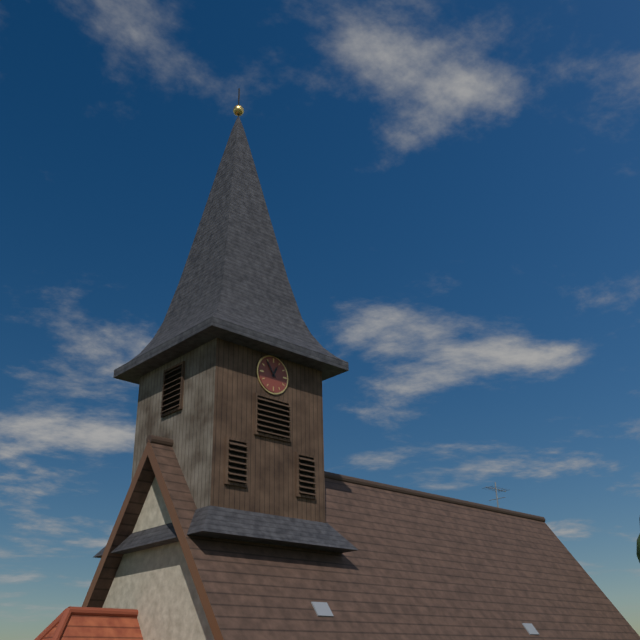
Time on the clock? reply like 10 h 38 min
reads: 12 h 54 min
